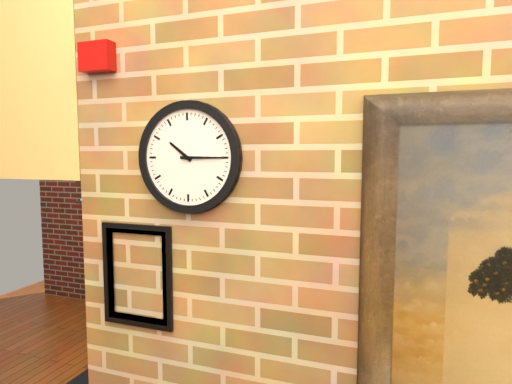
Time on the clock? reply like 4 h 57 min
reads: 10 h 15 min
